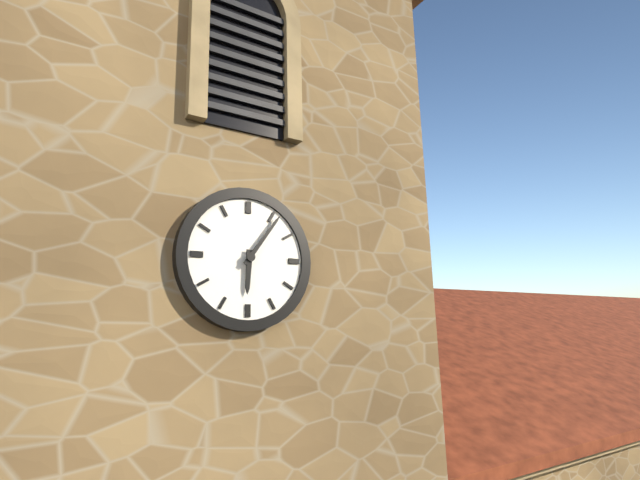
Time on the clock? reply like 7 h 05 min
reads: 6 h 06 min
